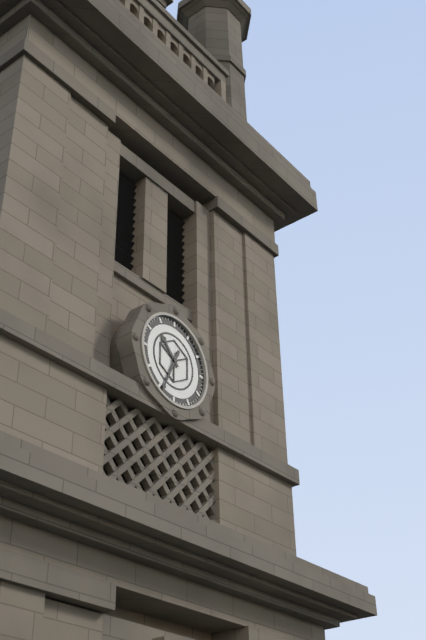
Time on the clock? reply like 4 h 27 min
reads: 10 h 34 min
